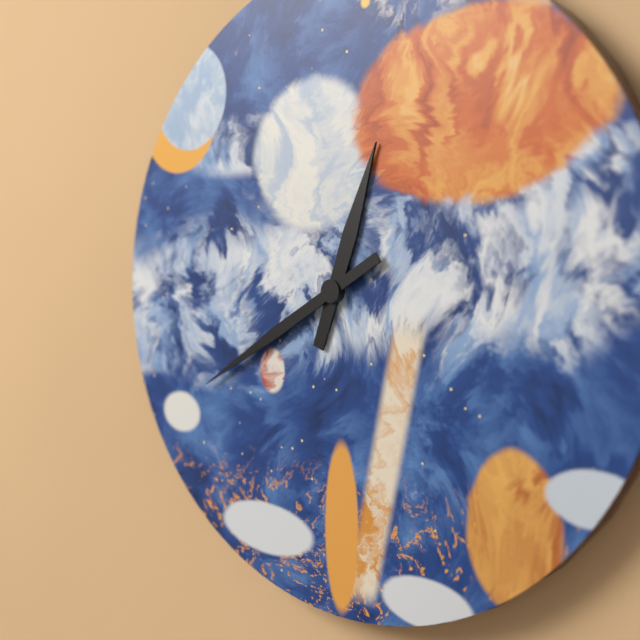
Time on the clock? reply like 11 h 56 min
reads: 12 h 40 min
